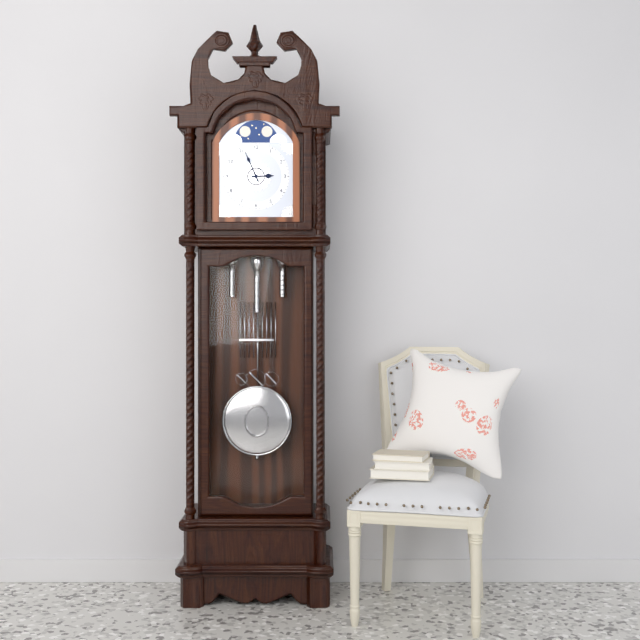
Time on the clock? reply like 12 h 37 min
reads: 2 h 56 min
